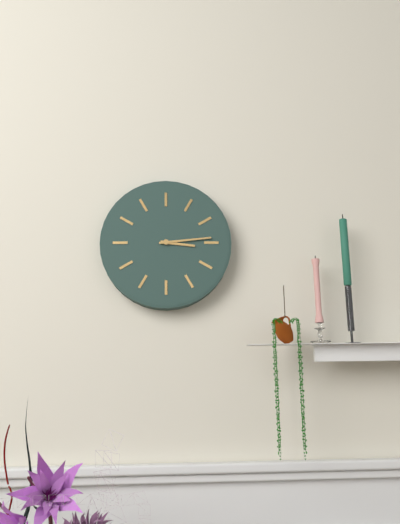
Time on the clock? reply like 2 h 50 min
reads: 3 h 14 min
